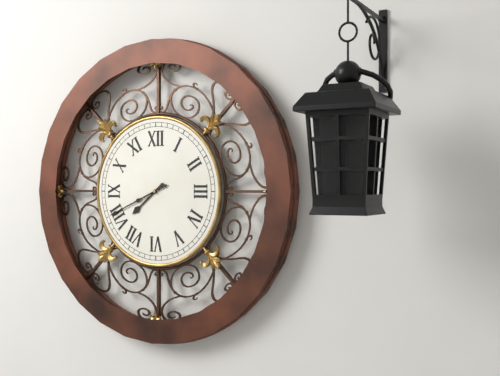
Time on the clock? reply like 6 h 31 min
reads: 7 h 41 min
